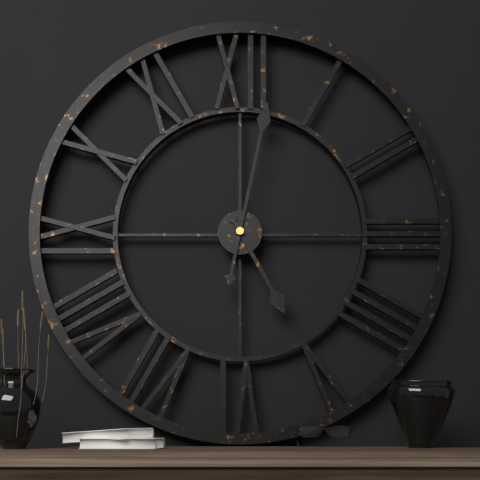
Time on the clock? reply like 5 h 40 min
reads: 5 h 02 min
